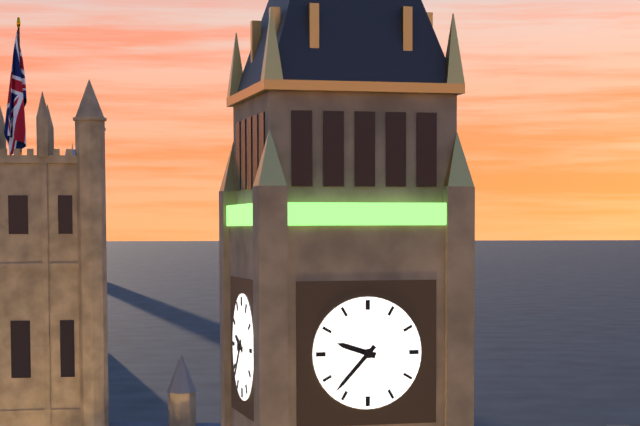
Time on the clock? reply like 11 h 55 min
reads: 9 h 37 min
